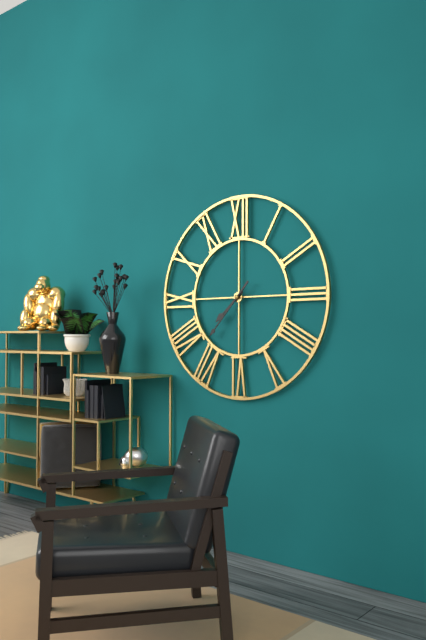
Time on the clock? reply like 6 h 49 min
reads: 7 h 37 min
